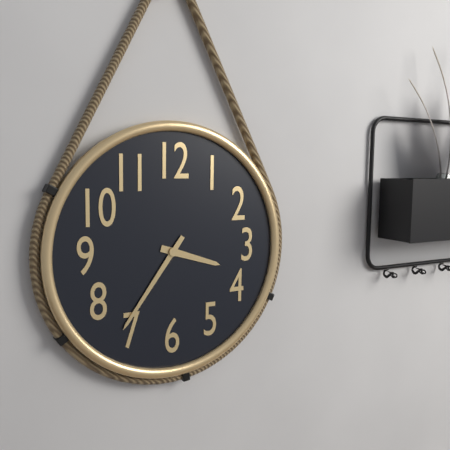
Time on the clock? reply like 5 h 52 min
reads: 3 h 36 min
